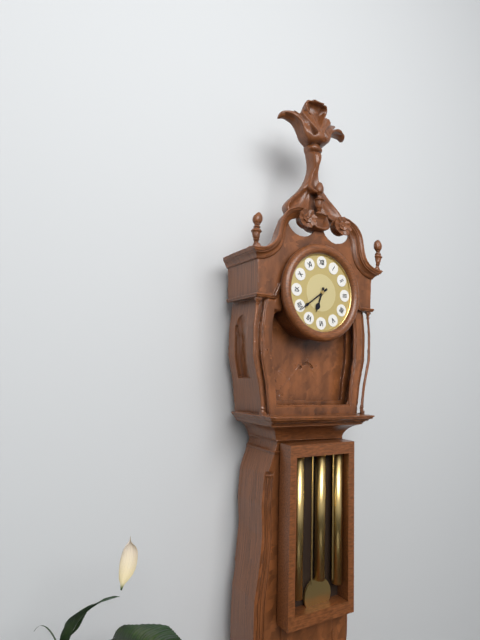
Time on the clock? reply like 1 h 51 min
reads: 6 h 39 min
